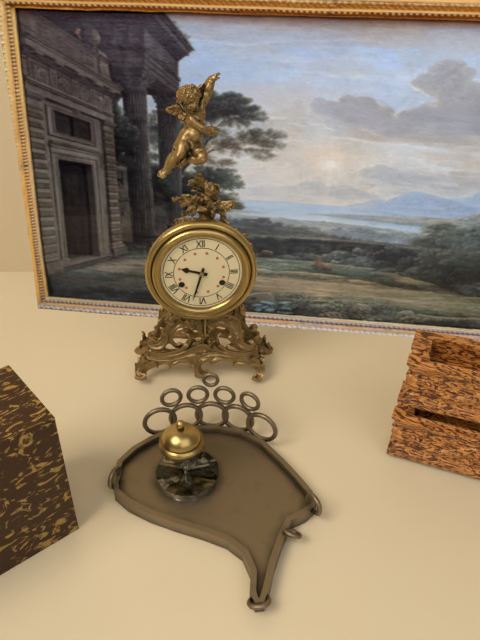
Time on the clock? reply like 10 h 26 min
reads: 9 h 33 min
